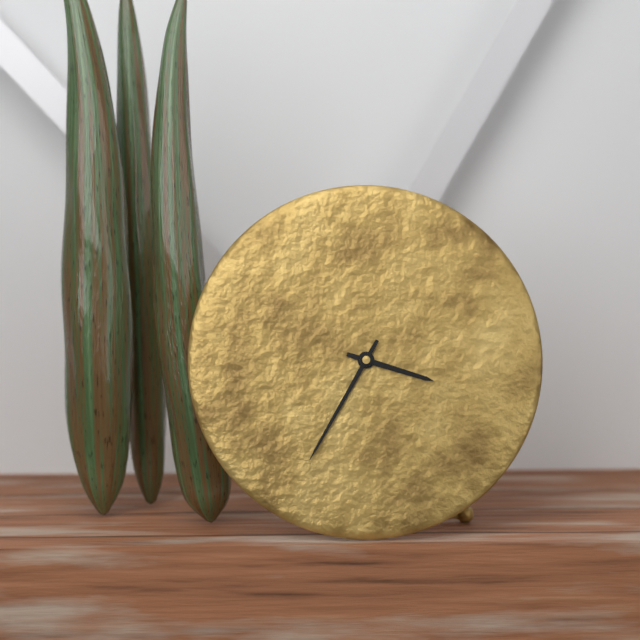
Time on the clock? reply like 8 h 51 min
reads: 3 h 35 min
